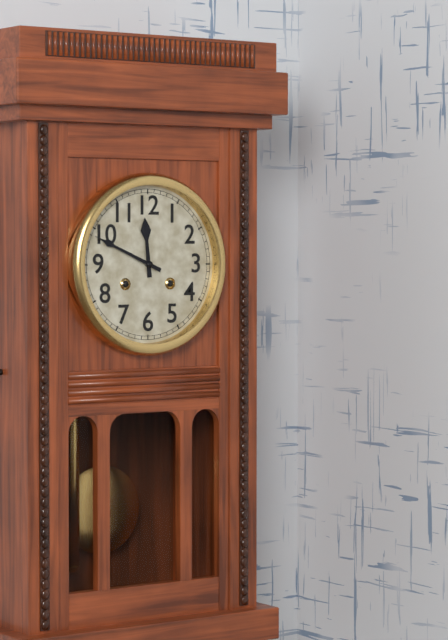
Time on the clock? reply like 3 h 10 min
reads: 11 h 49 min
